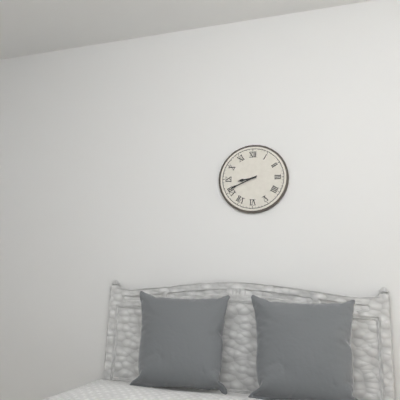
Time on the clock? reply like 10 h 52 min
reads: 8 h 41 min
